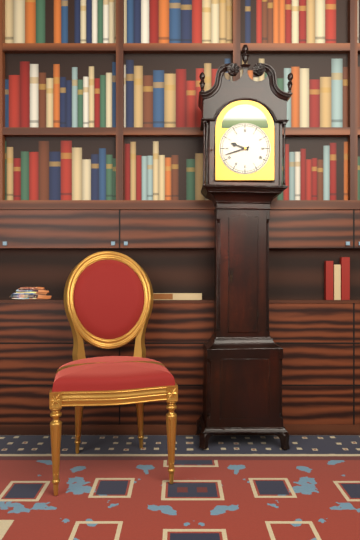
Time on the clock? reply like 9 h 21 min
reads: 9 h 42 min
